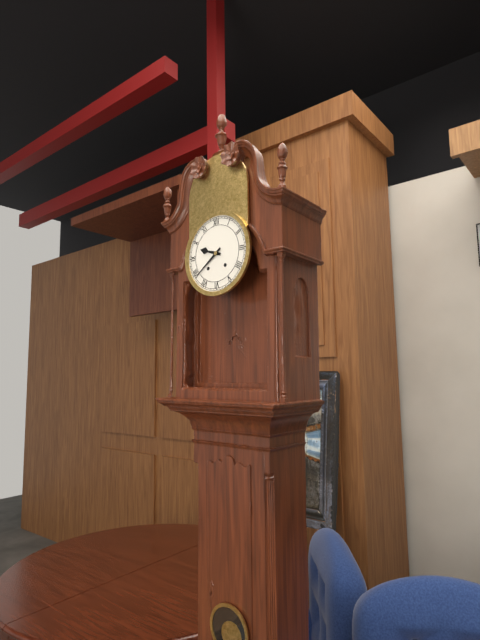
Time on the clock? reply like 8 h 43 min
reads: 9 h 39 min
